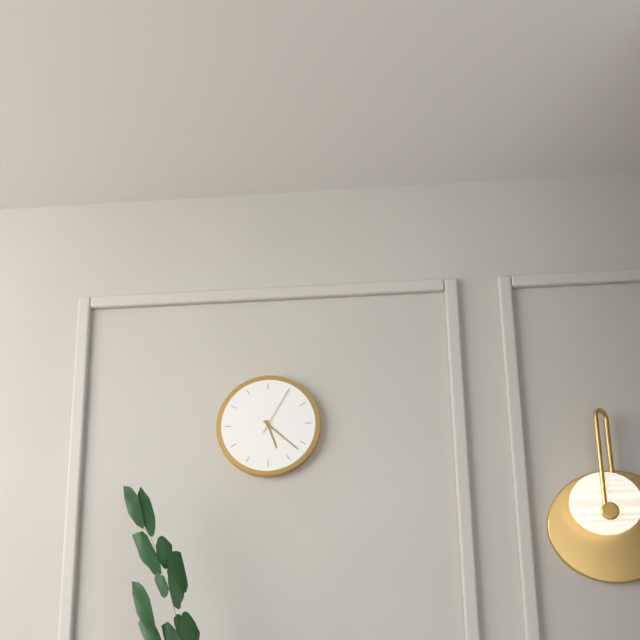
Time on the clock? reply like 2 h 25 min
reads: 5 h 22 min
